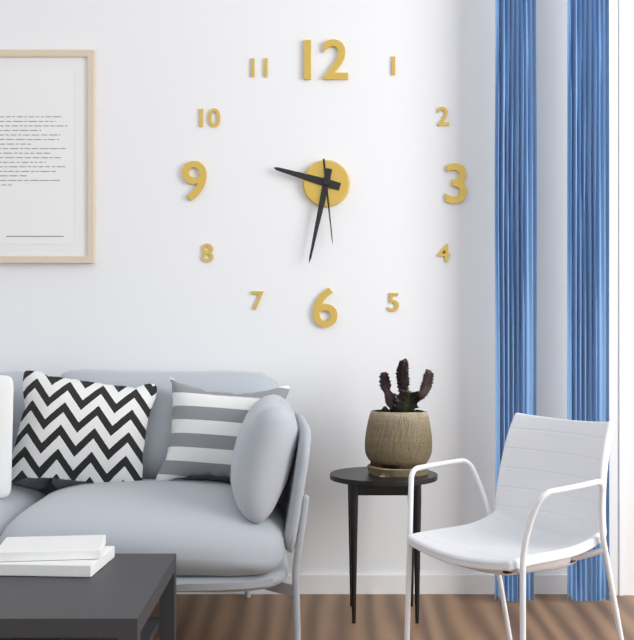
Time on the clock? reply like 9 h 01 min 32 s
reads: 9 h 32 min 29 s
